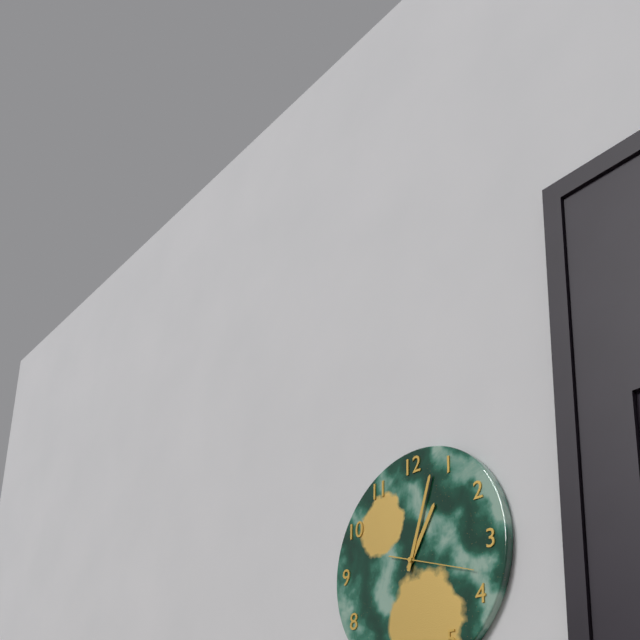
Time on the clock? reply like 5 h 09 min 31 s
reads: 1 h 03 min 18 s
